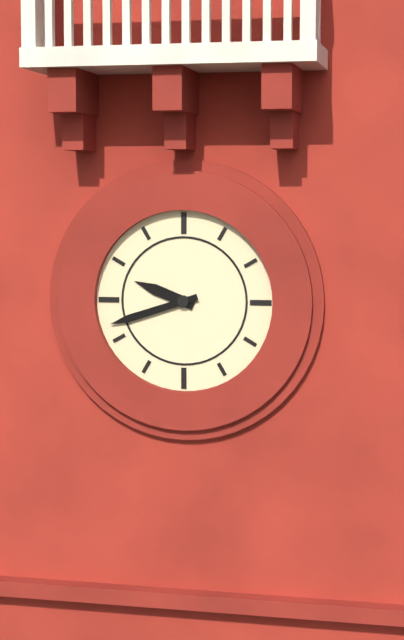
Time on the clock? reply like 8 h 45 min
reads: 9 h 42 min
